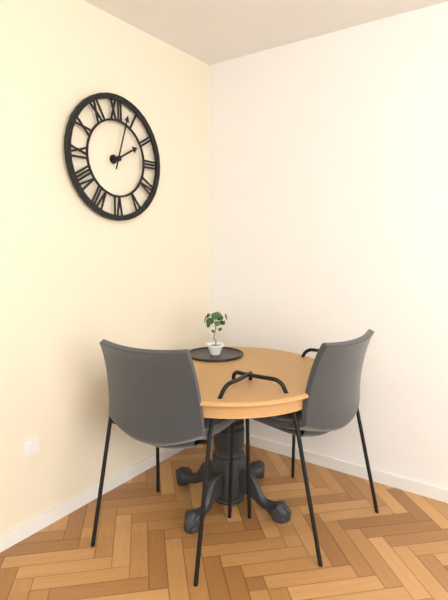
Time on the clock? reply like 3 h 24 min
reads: 2 h 03 min
